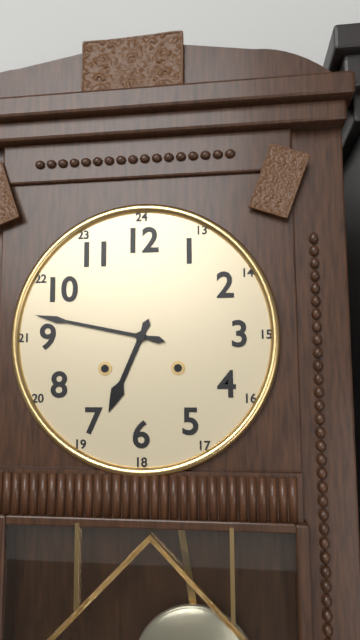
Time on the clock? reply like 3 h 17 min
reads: 6 h 47 min
